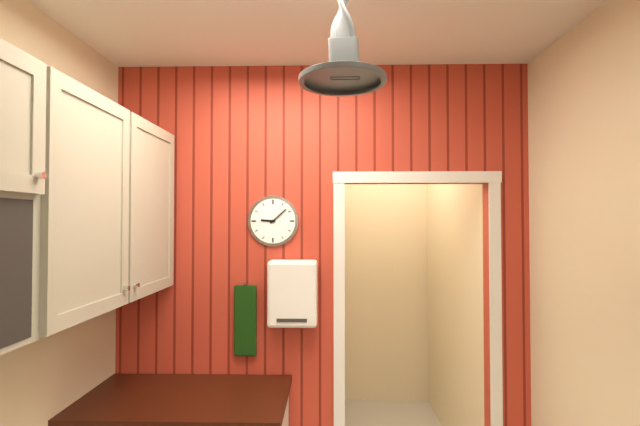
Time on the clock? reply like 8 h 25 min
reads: 9 h 08 min
